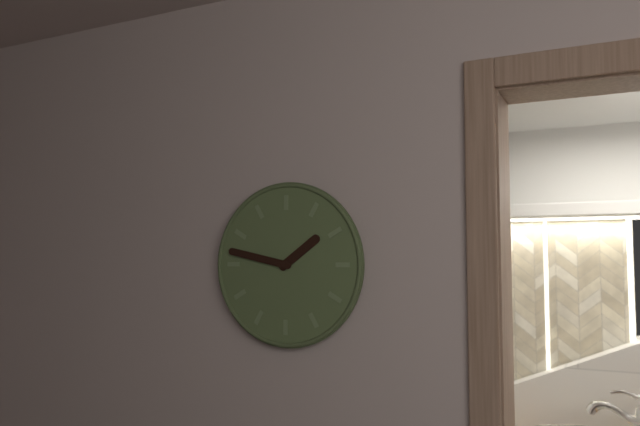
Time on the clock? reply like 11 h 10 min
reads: 1 h 47 min
